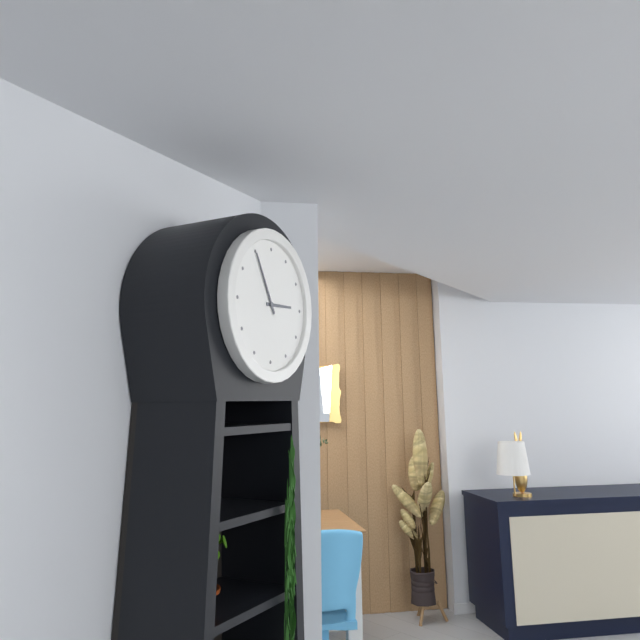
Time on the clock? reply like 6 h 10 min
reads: 2 h 55 min
